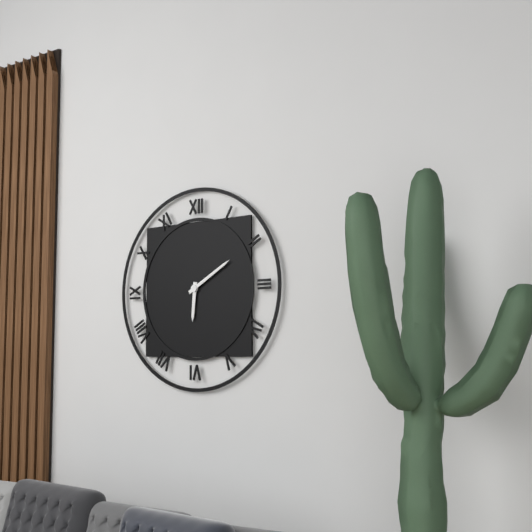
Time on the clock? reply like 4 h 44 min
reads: 6 h 10 min
